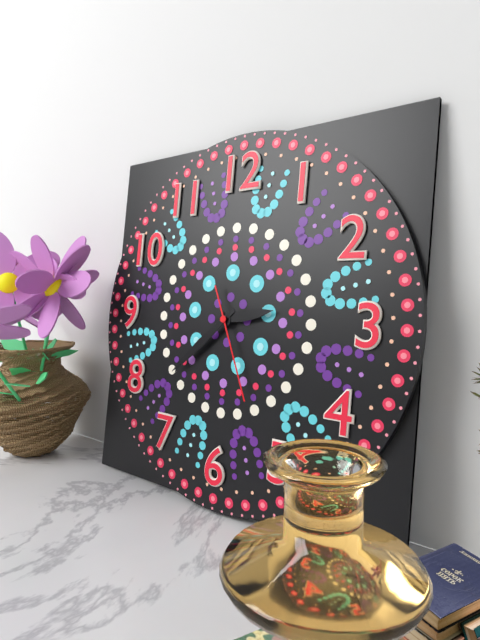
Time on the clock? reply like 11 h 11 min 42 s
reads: 2 h 38 min 26 s
